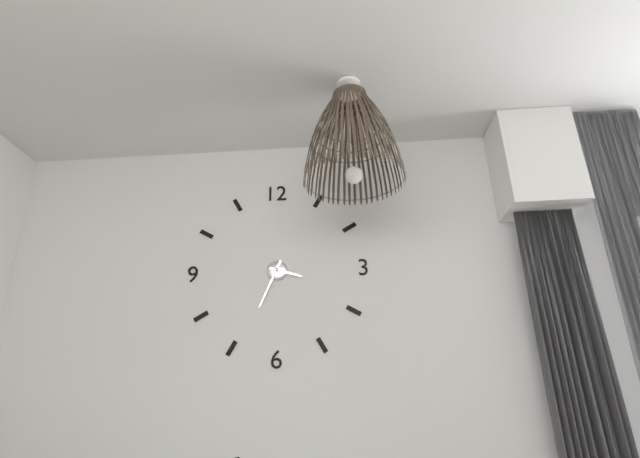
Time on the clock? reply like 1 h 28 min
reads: 3 h 34 min
